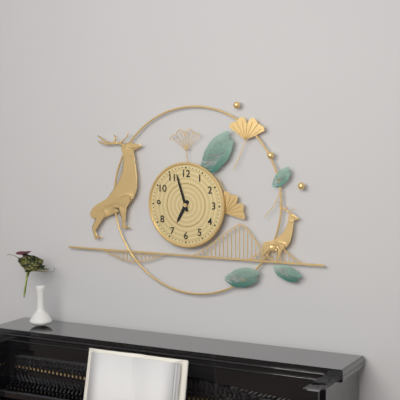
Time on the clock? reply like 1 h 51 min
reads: 6 h 57 min
